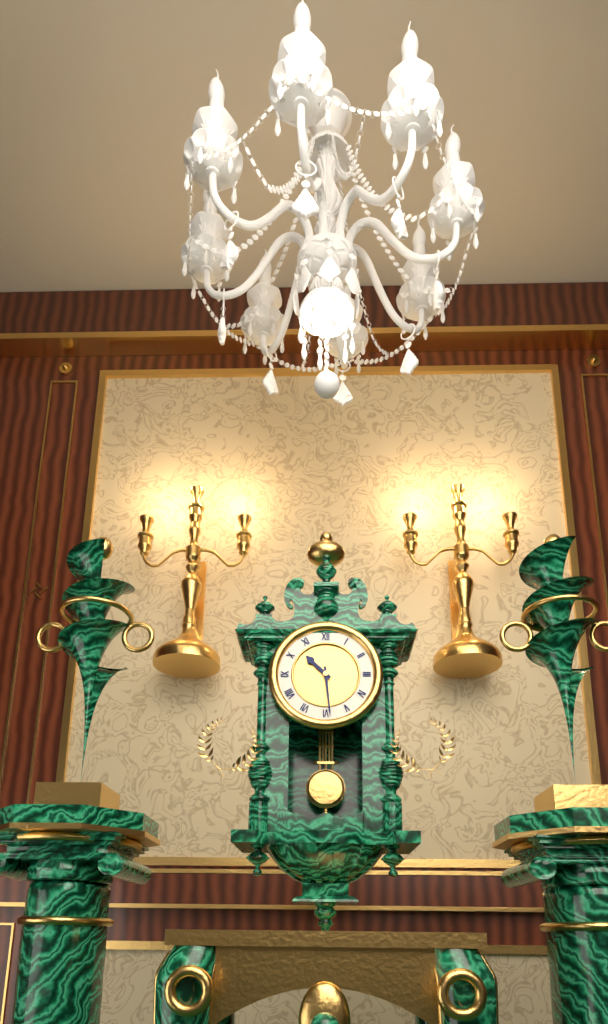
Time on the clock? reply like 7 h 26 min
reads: 10 h 29 min
